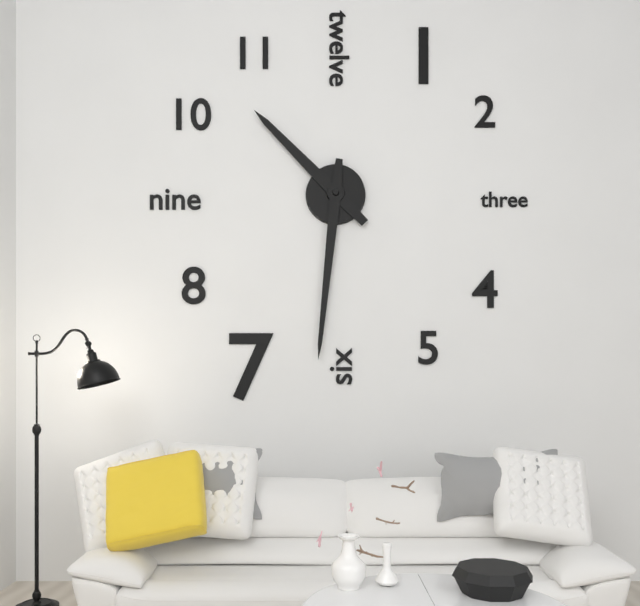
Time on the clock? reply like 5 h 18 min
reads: 10 h 31 min
